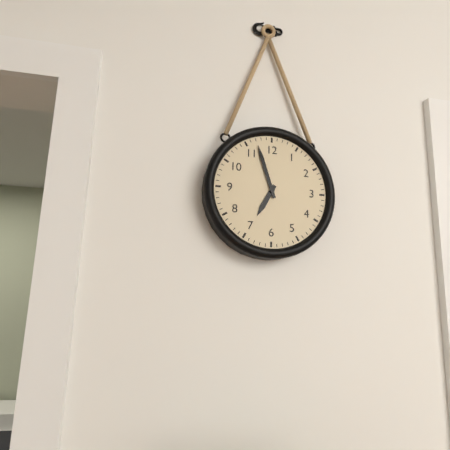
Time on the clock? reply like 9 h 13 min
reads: 6 h 57 min
